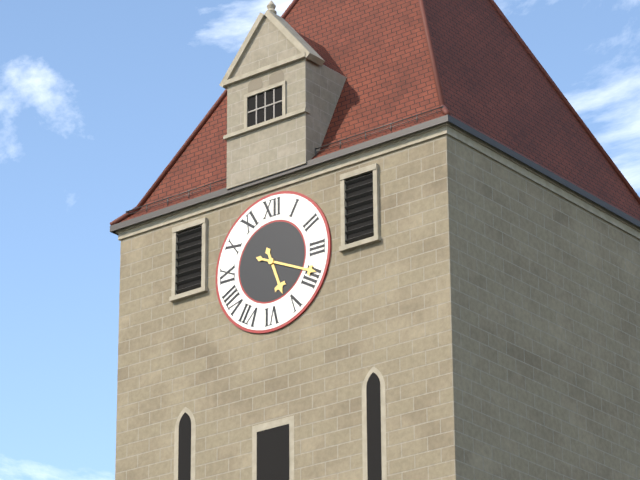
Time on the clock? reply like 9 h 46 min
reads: 5 h 19 min
